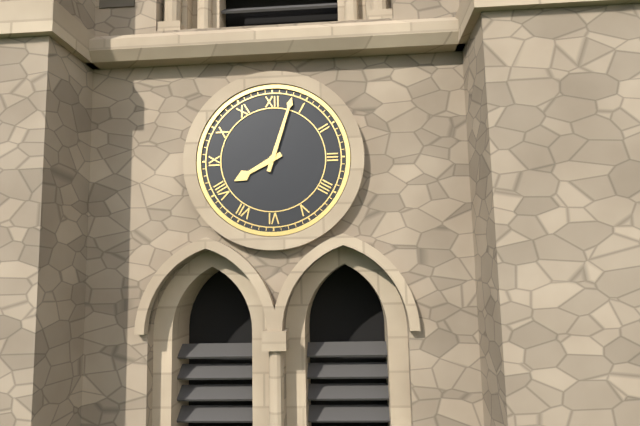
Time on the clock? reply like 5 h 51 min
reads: 8 h 03 min
